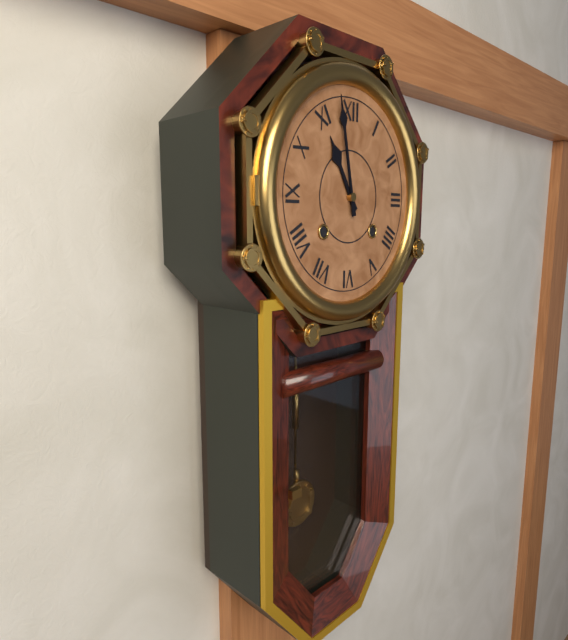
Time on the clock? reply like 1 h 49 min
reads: 10 h 58 min
